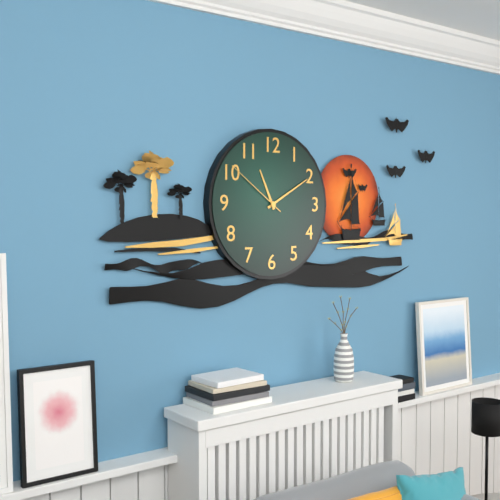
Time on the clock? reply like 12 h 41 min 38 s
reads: 11 h 10 min 51 s
